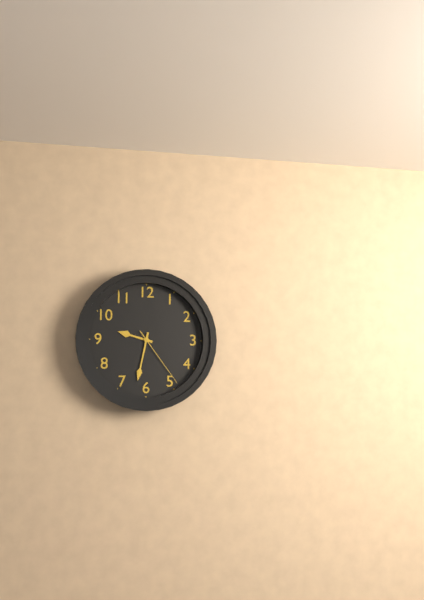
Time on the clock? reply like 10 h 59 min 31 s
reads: 9 h 32 min 24 s
